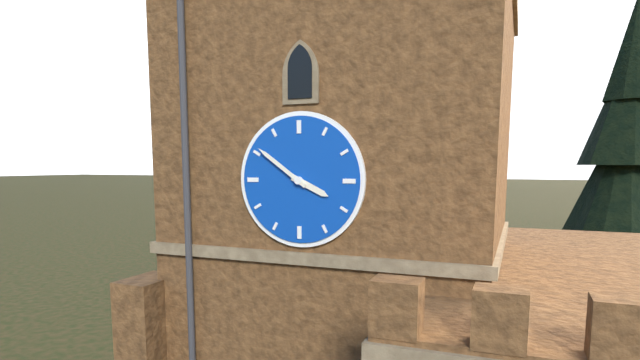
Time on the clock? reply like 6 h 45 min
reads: 3 h 51 min
